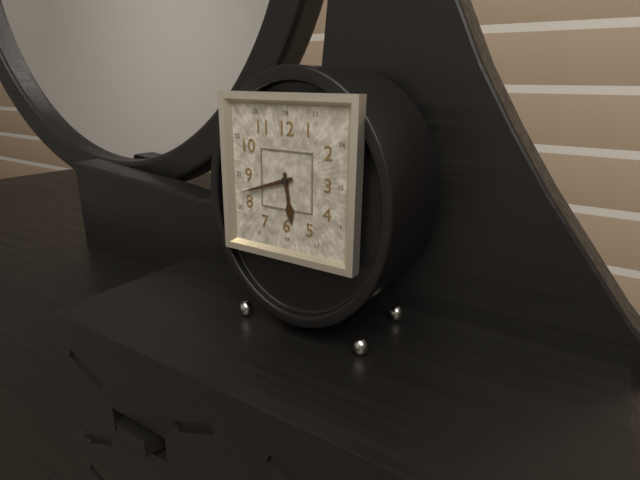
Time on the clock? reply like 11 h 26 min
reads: 5 h 42 min
